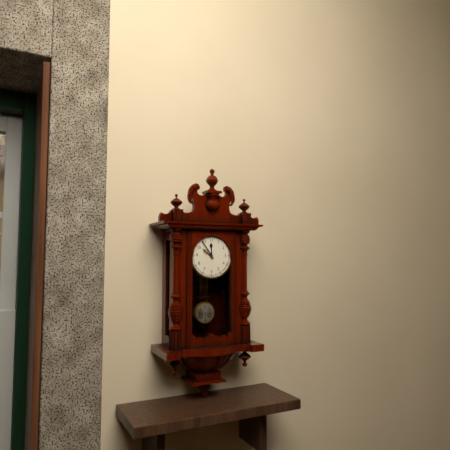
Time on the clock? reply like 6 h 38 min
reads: 11 h 54 min
